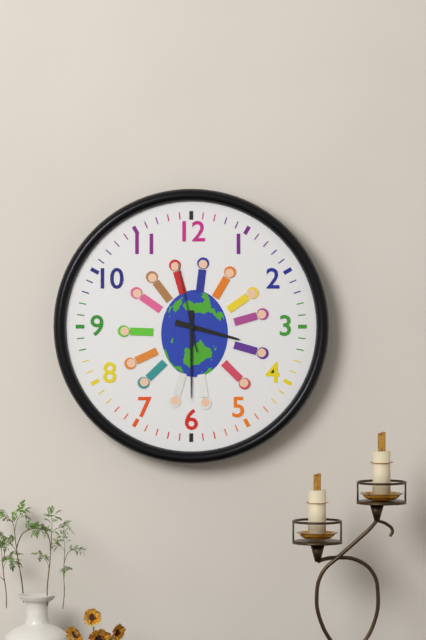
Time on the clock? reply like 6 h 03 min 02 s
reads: 3 h 30 min 58 s
